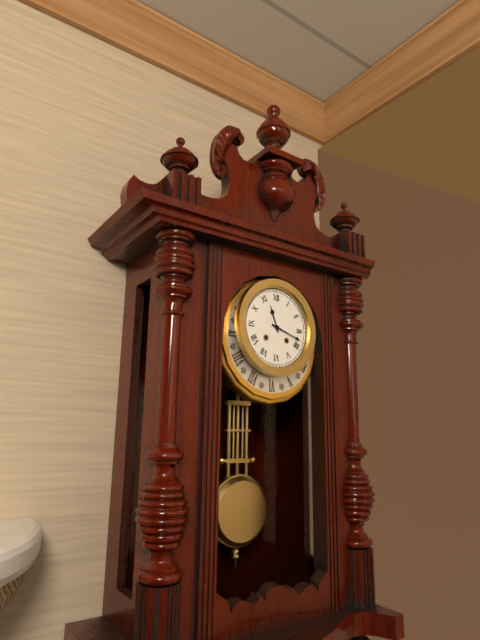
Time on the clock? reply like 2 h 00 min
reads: 11 h 18 min
